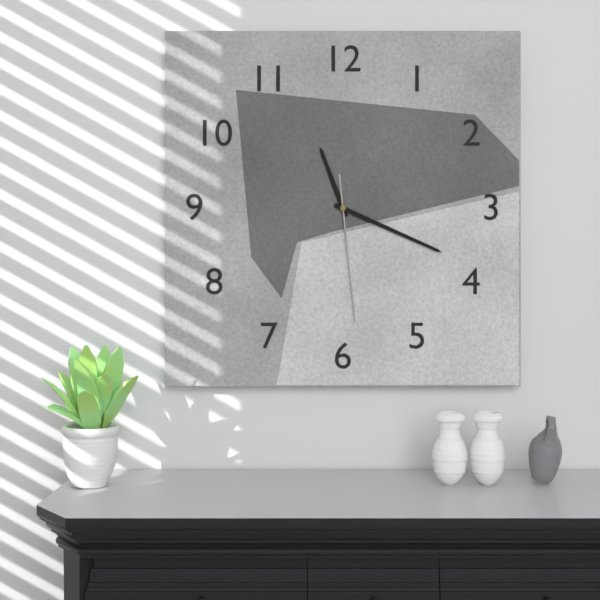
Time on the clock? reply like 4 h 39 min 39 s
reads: 11 h 19 min 29 s
